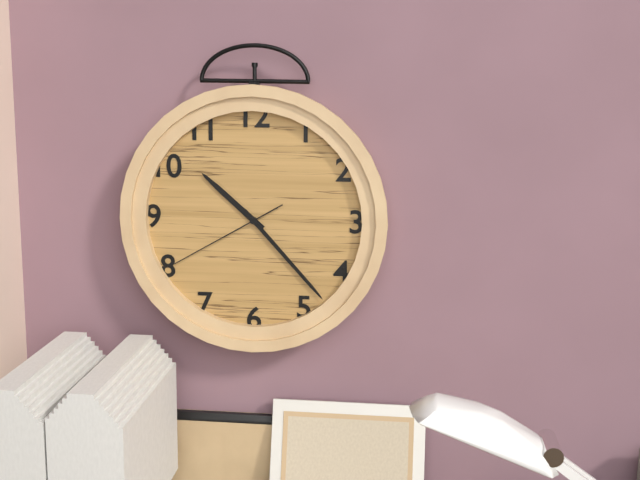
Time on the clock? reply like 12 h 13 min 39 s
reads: 10 h 23 min 40 s
